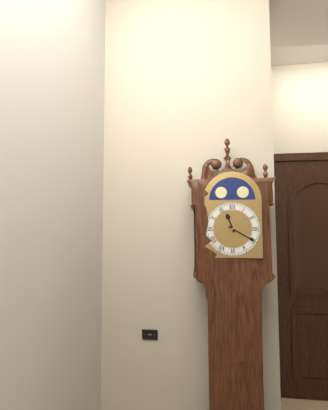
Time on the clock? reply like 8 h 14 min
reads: 11 h 20 min
